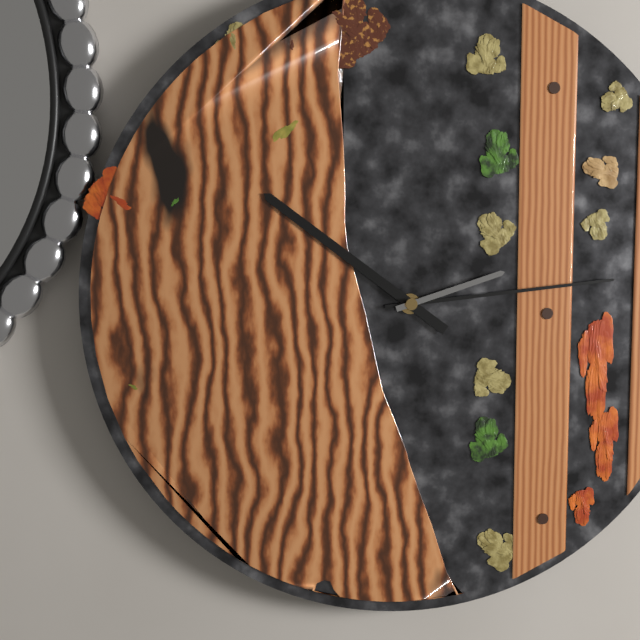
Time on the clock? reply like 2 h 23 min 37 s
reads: 10 h 14 min 12 s
